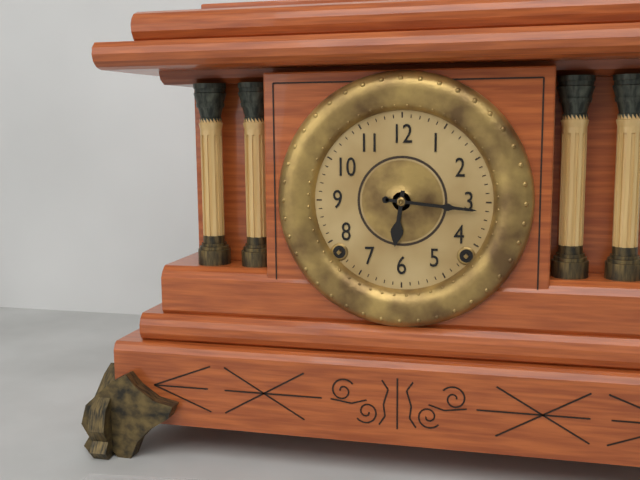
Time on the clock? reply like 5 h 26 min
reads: 6 h 16 min
